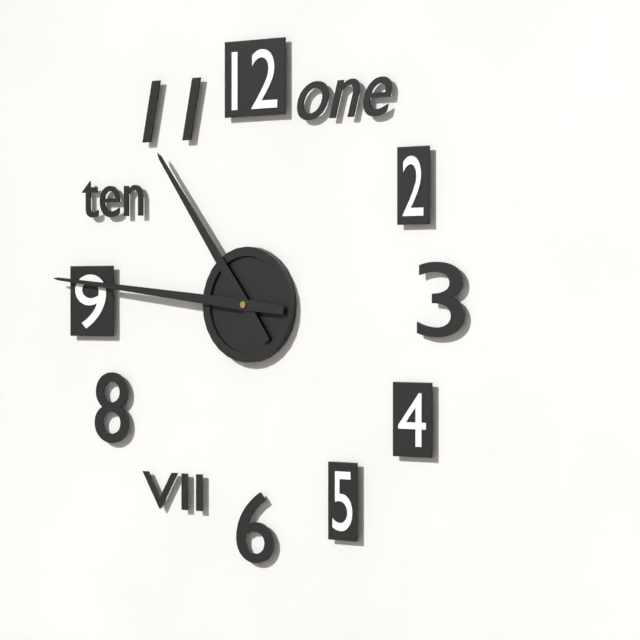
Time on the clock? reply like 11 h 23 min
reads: 10 h 46 min
